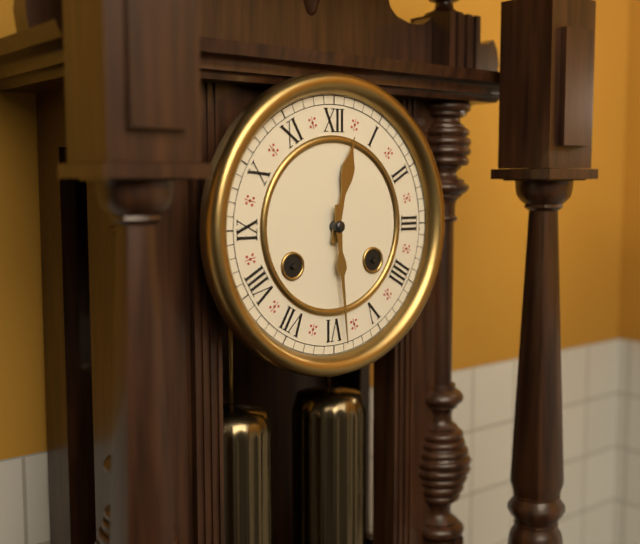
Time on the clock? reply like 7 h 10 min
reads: 12 h 29 min
